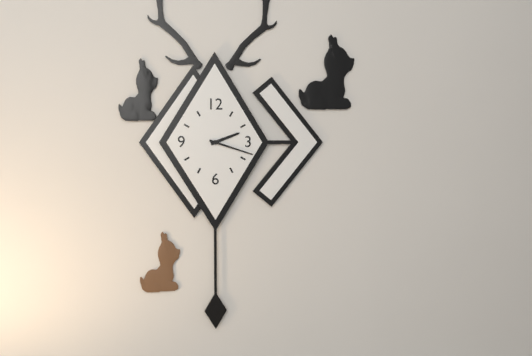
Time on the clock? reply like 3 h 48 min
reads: 2 h 18 min
